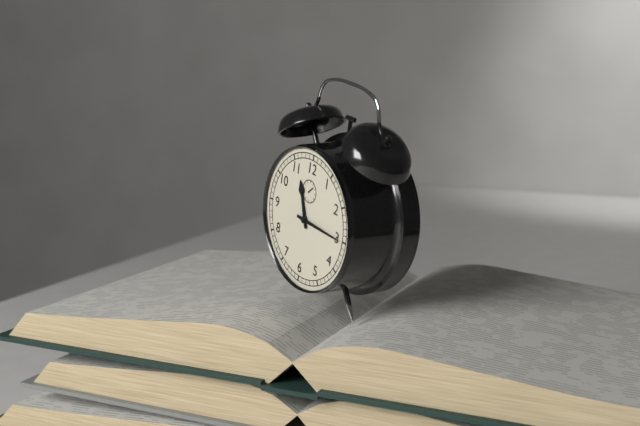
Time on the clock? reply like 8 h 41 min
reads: 11 h 15 min
